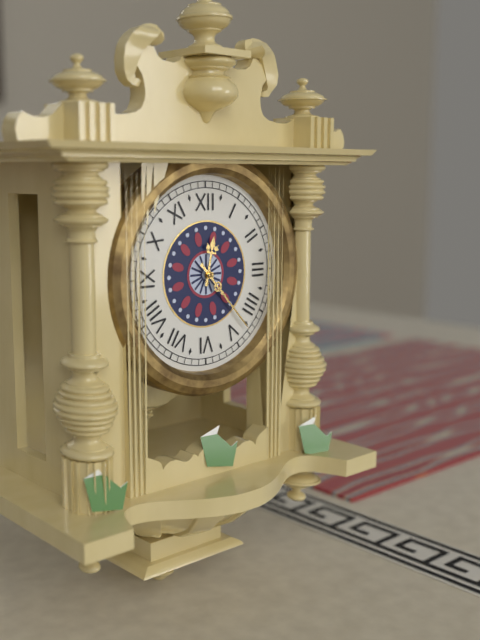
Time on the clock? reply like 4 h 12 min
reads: 12 h 23 min
